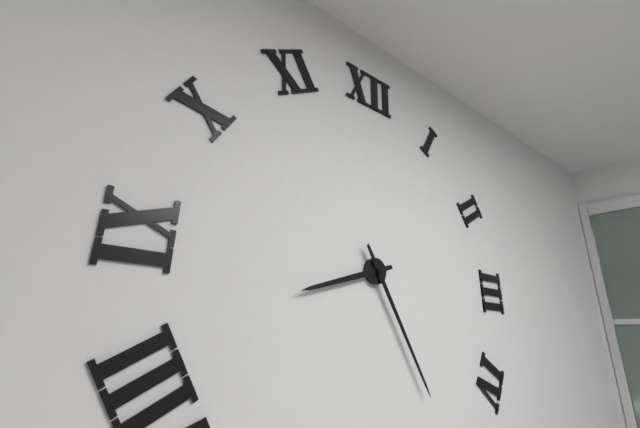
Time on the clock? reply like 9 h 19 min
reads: 8 h 25 min
